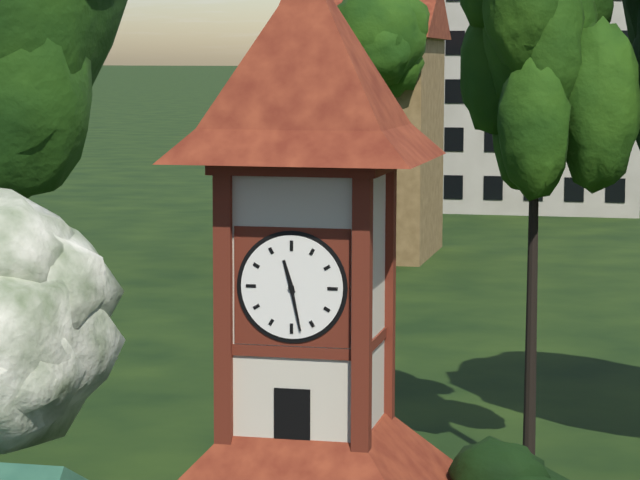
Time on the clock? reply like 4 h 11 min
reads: 11 h 28 min
